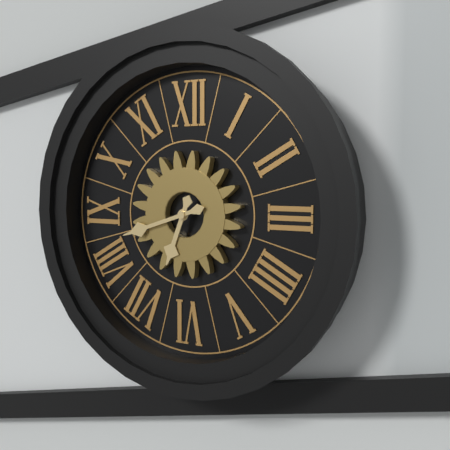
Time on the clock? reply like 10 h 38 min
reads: 6 h 42 min
